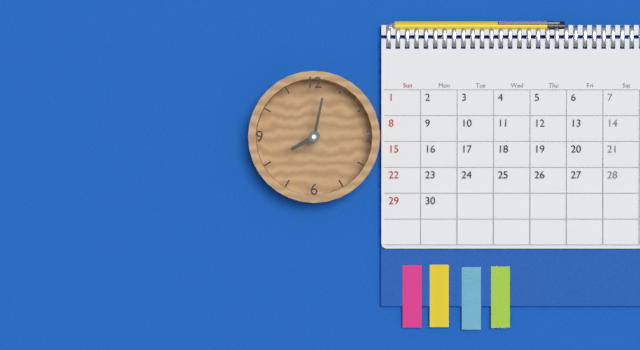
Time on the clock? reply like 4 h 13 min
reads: 8 h 02 min
